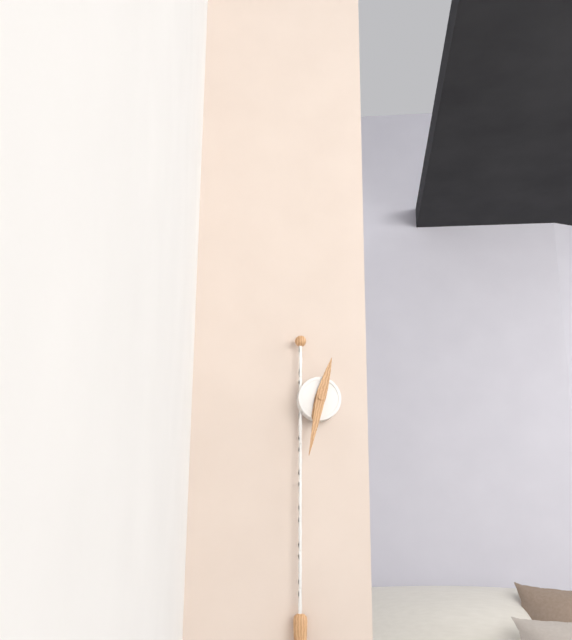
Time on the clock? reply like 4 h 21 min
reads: 12 h 32 min
